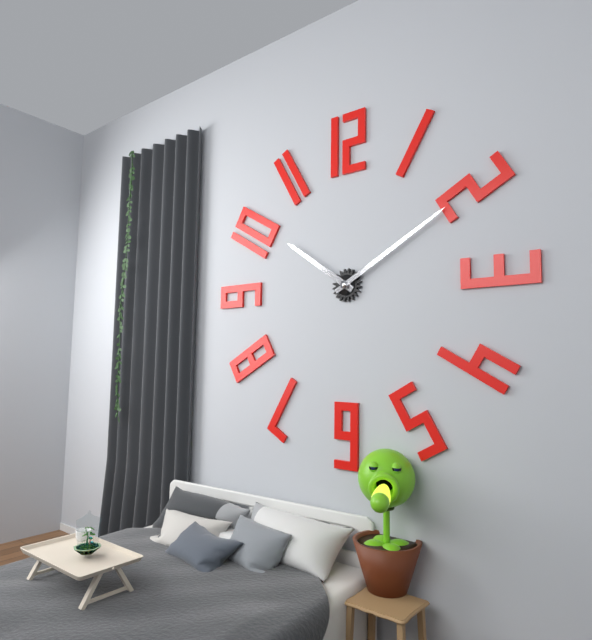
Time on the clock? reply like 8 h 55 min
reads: 10 h 10 min
